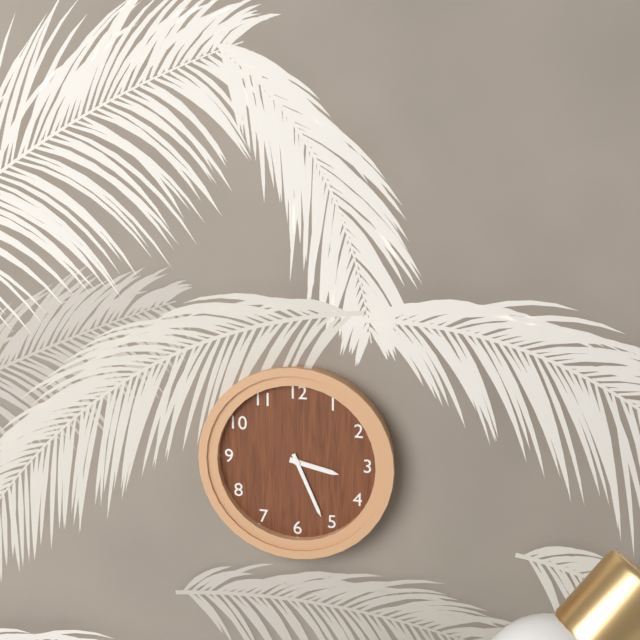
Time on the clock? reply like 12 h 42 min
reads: 3 h 26 min
